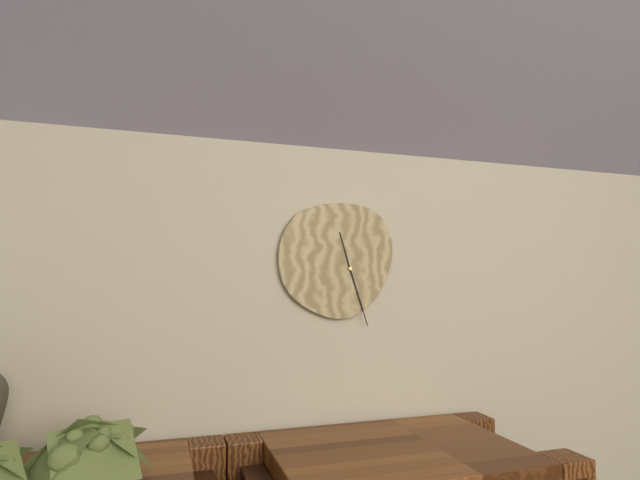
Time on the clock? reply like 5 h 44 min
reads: 11 h 27 min
